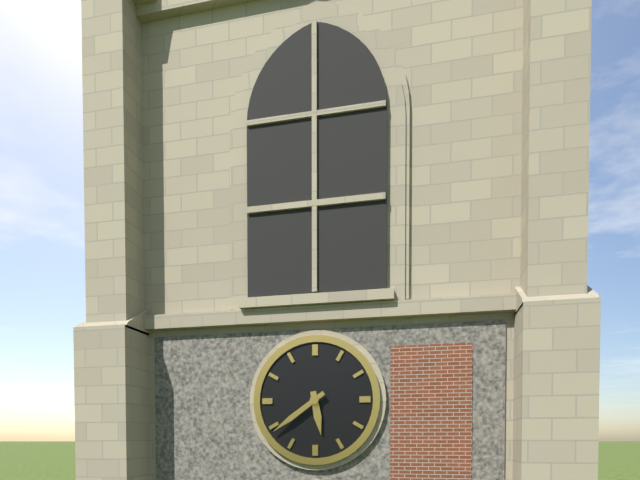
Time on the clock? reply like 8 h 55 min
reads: 5 h 39 min
